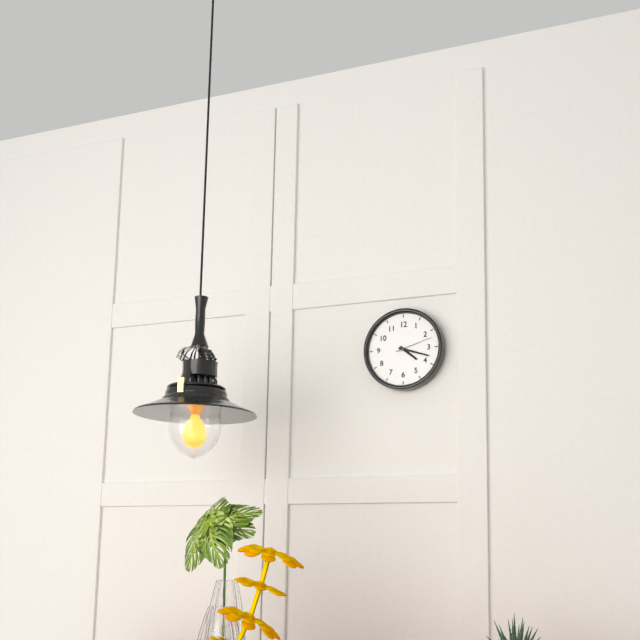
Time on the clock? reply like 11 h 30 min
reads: 4 h 18 min
